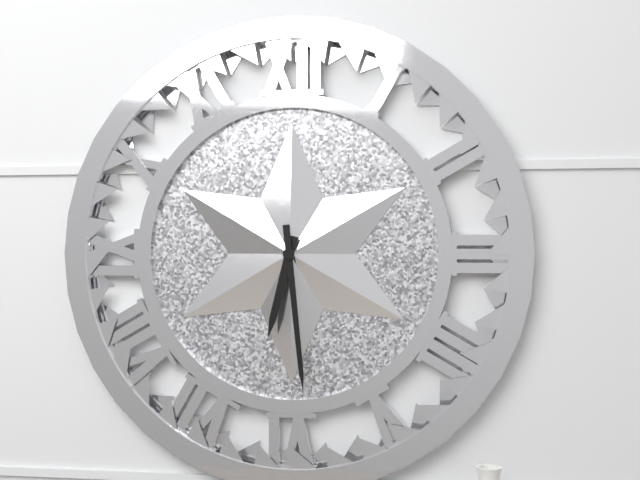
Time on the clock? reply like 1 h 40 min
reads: 6 h 29 min
